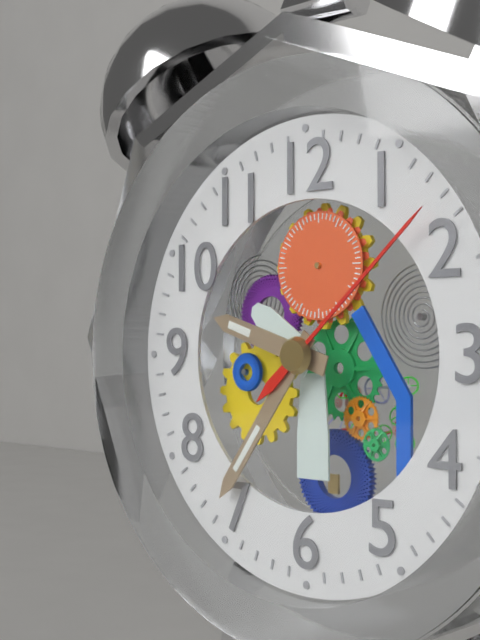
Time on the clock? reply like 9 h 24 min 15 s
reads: 9 h 36 min 08 s
